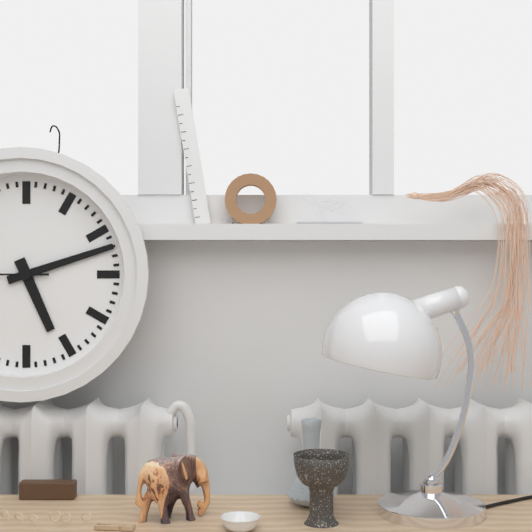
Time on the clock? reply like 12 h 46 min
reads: 5 h 12 min
